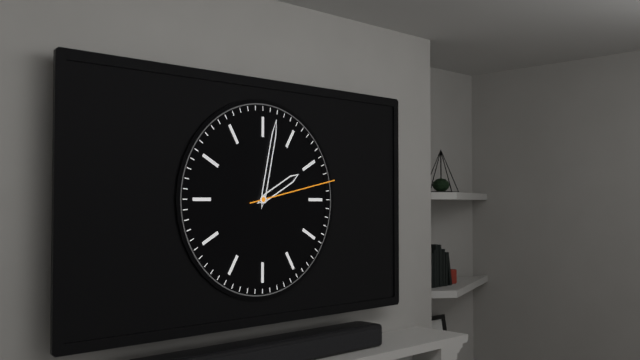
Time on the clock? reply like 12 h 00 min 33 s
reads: 2 h 02 min 13 s
